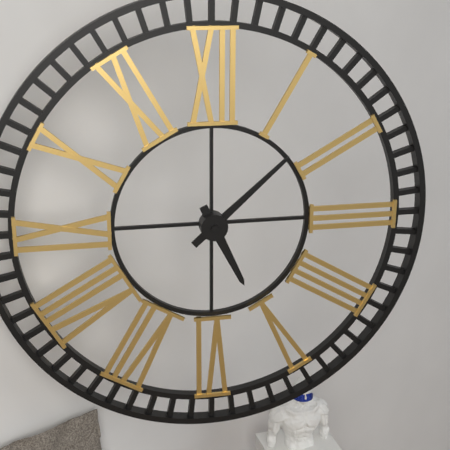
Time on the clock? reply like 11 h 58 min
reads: 5 h 08 min
